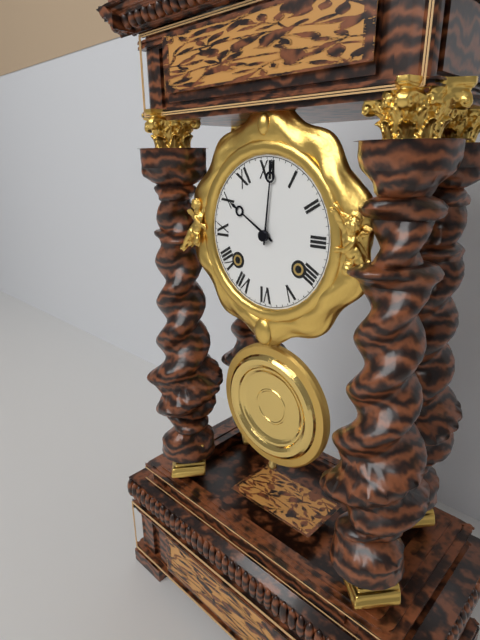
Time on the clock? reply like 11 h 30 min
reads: 10 h 01 min
